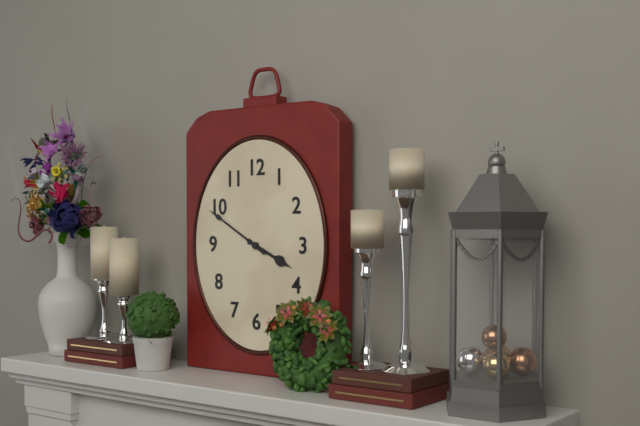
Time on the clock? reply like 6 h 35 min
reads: 3 h 50 min
